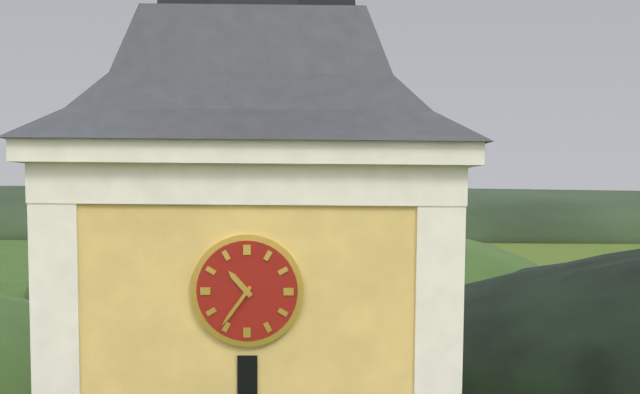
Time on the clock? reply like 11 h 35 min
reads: 10 h 36 min
